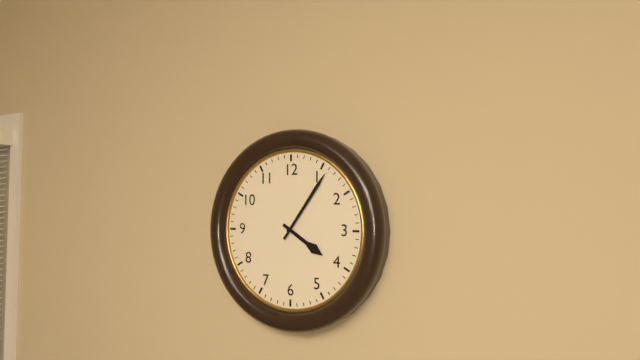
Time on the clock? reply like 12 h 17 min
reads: 4 h 06 min
